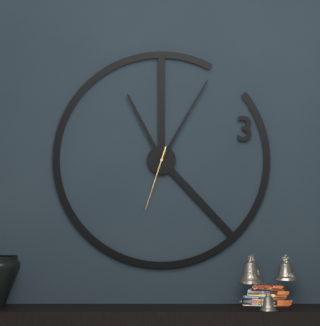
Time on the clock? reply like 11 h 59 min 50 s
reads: 11 h 05 min 33 s
